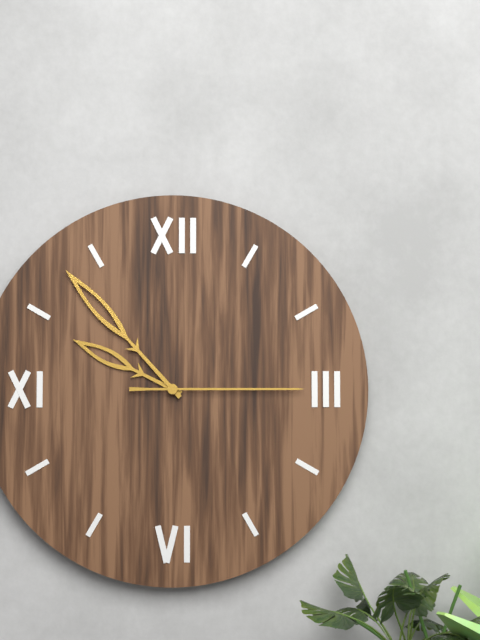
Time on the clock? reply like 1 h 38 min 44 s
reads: 9 h 53 min 15 s
